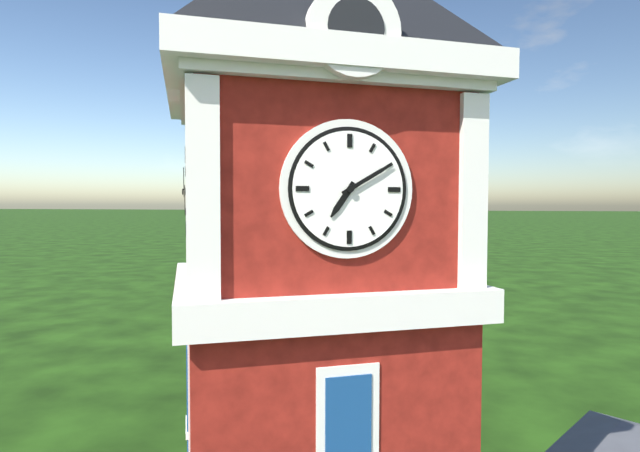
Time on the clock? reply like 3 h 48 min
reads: 7 h 10 min
